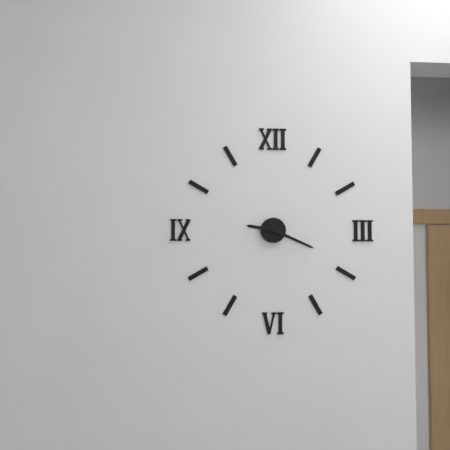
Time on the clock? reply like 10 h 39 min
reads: 9 h 19 min
